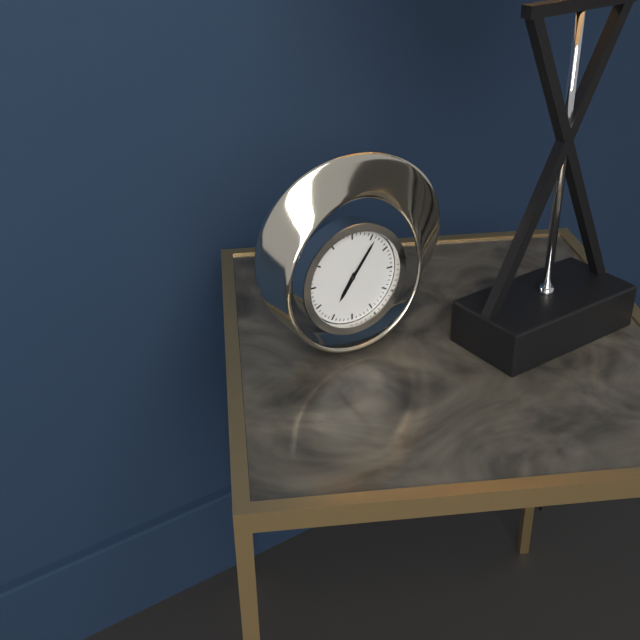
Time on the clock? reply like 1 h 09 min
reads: 7 h 06 min
